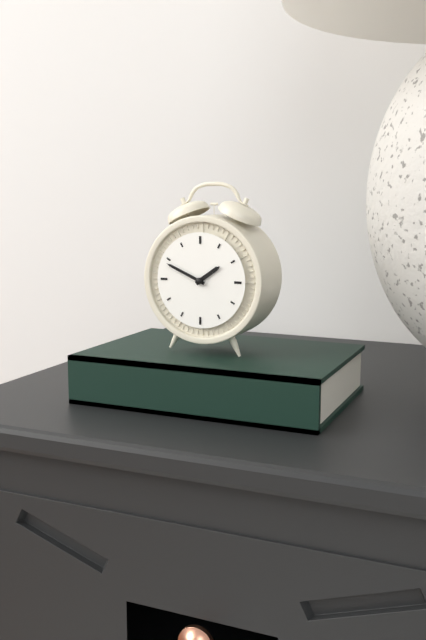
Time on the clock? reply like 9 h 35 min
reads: 1 h 49 min
